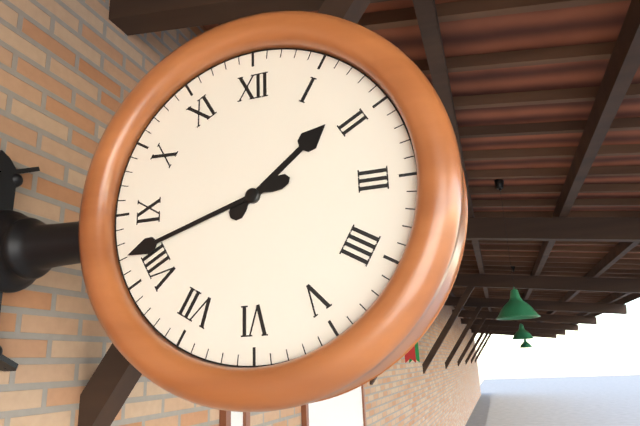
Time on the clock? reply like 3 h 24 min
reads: 1 h 42 min
